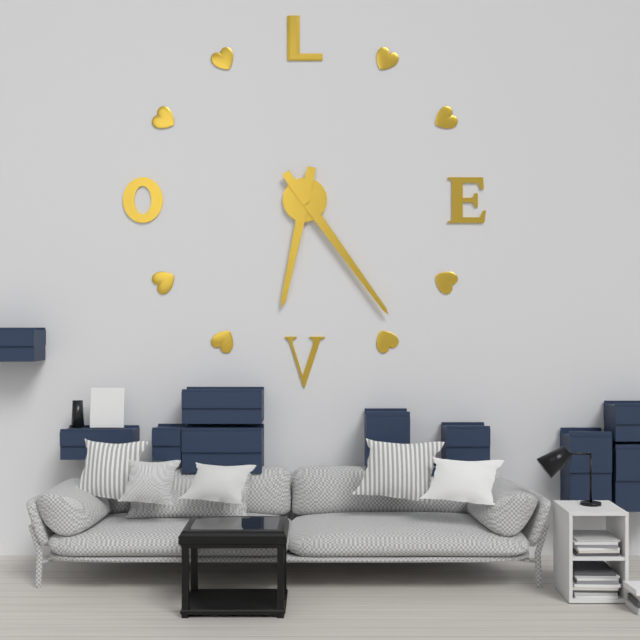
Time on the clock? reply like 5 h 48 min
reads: 6 h 24 min
